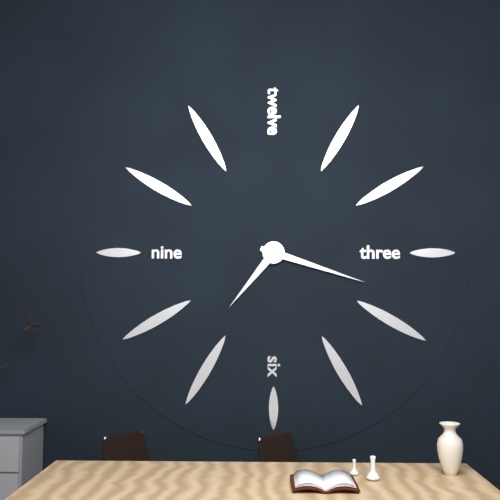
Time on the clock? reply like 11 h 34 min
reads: 7 h 18 min
